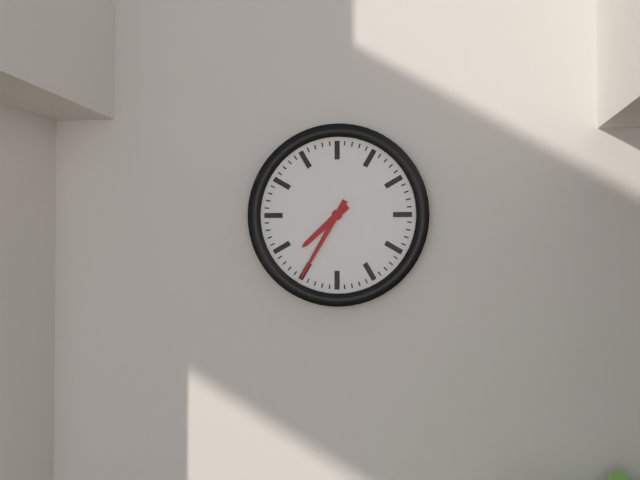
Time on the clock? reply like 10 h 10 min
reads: 7 h 35 min
